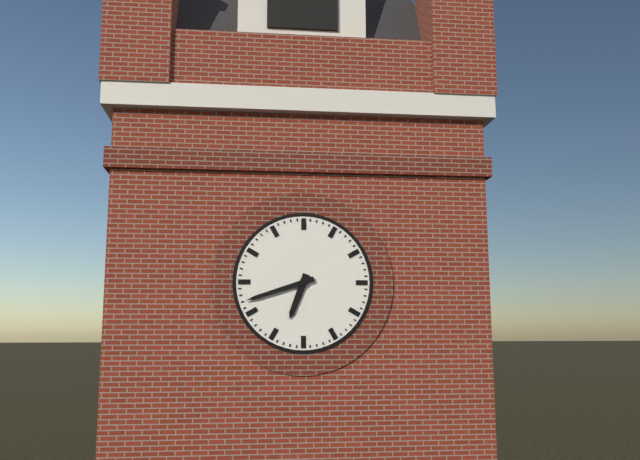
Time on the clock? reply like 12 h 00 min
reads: 6 h 42 min
